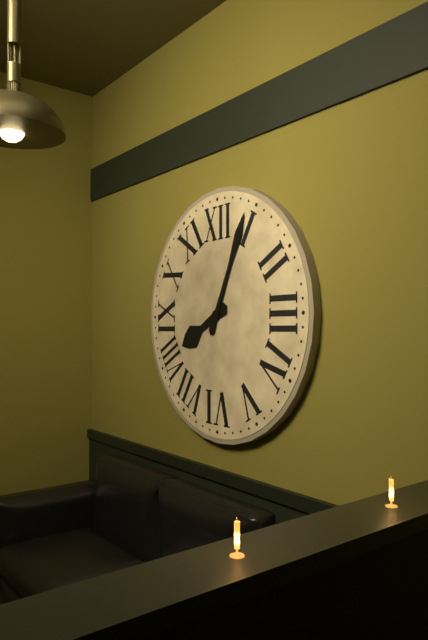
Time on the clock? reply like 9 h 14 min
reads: 8 h 04 min
